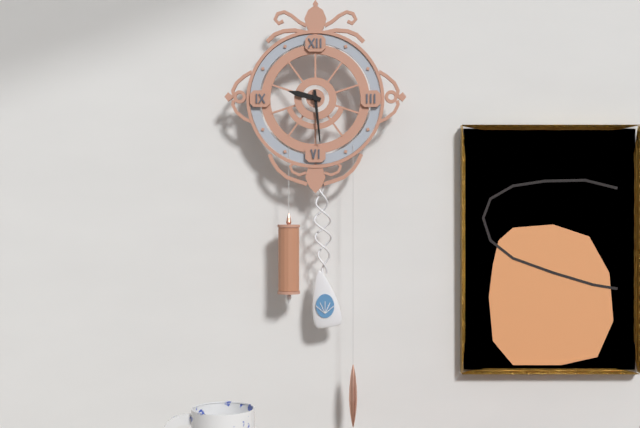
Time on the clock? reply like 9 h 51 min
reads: 9 h 29 min
